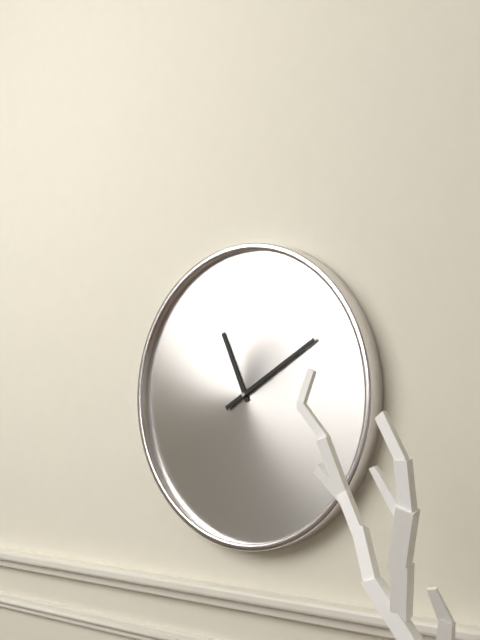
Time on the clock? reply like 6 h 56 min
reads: 11 h 10 min
